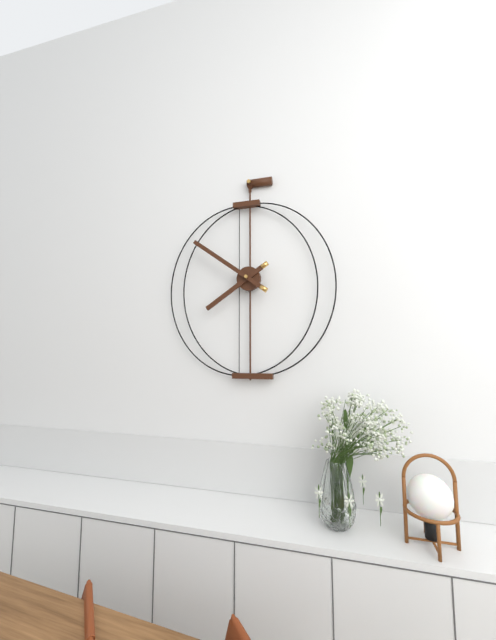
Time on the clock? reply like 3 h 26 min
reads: 7 h 51 min
